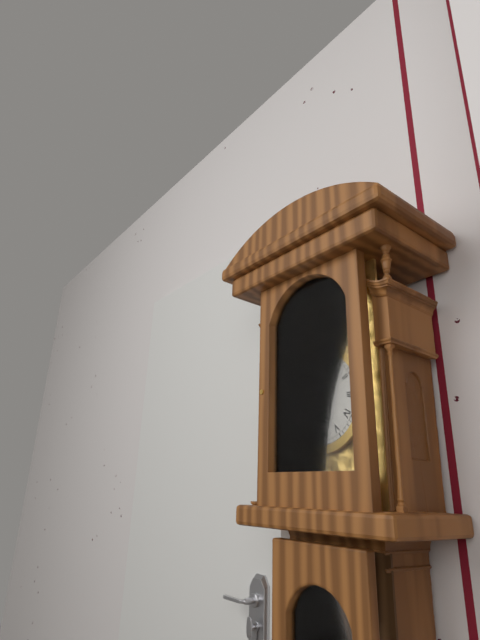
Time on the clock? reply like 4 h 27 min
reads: 6 h 03 min
